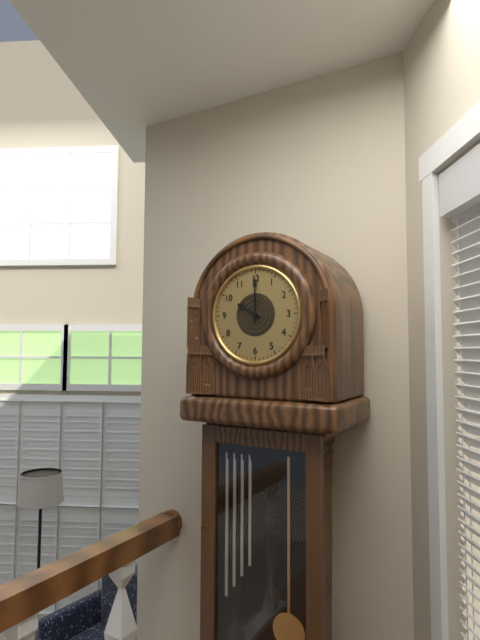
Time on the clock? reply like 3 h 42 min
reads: 10 h 00 min
